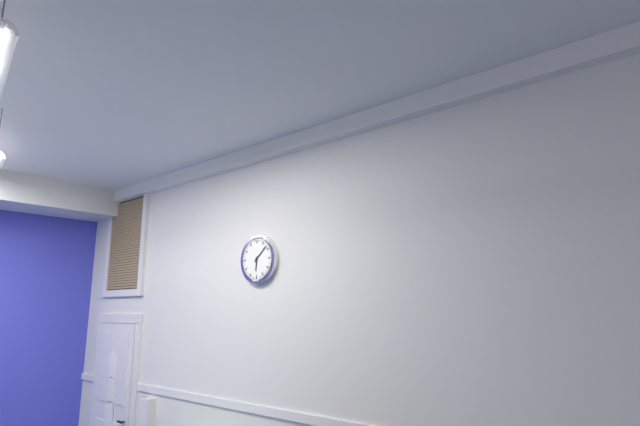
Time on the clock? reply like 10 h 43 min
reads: 6 h 08 min
